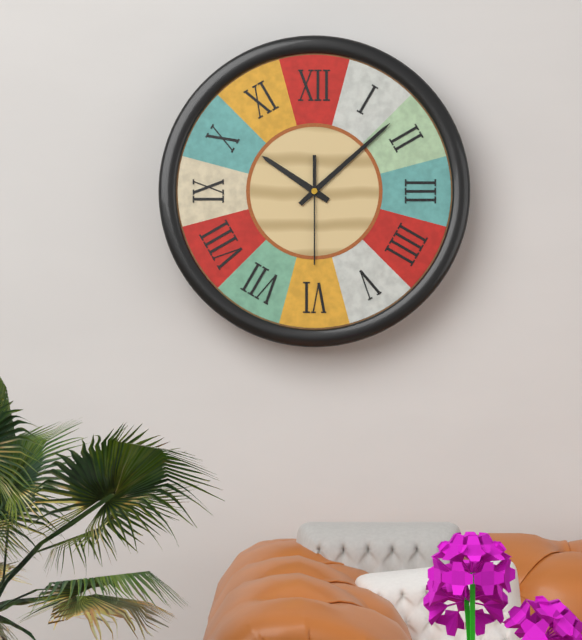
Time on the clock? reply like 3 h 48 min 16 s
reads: 10 h 08 min 30 s
